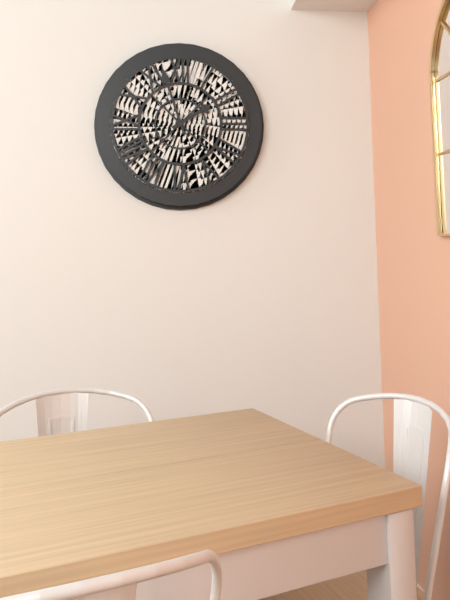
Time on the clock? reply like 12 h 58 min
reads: 1 h 57 min
